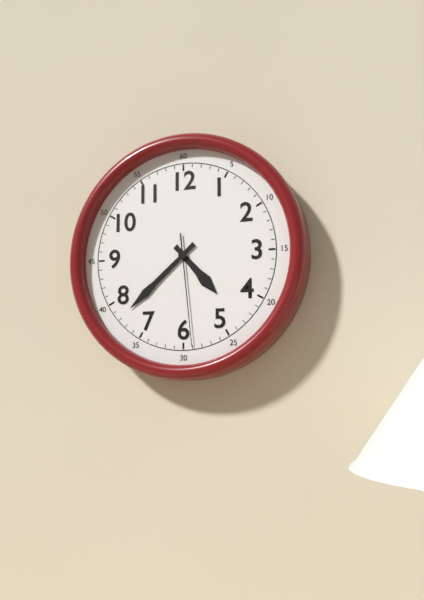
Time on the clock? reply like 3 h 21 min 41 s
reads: 4 h 38 min 29 s
